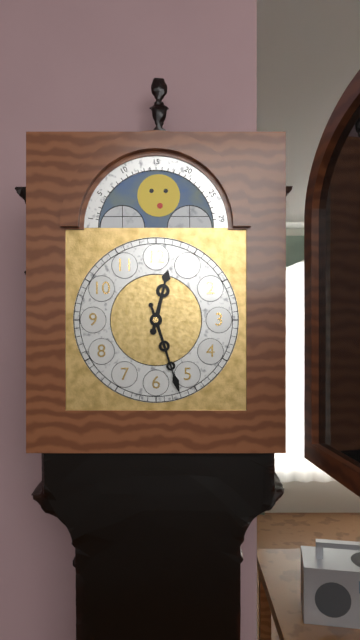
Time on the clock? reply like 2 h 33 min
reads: 12 h 27 min
